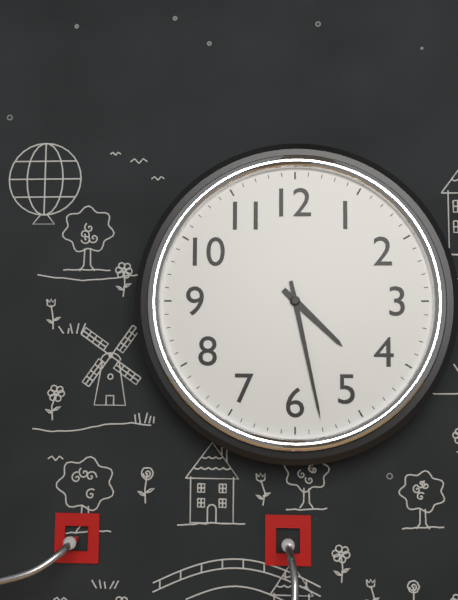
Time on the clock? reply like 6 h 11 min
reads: 4 h 28 min
